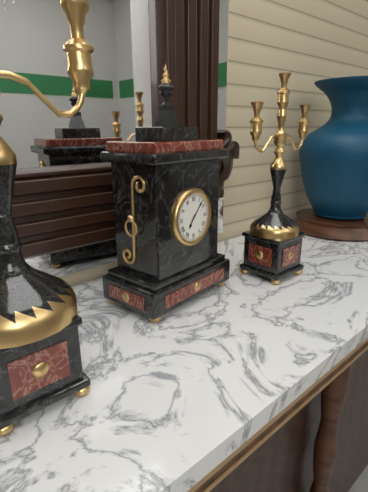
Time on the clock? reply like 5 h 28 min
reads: 7 h 07 min
